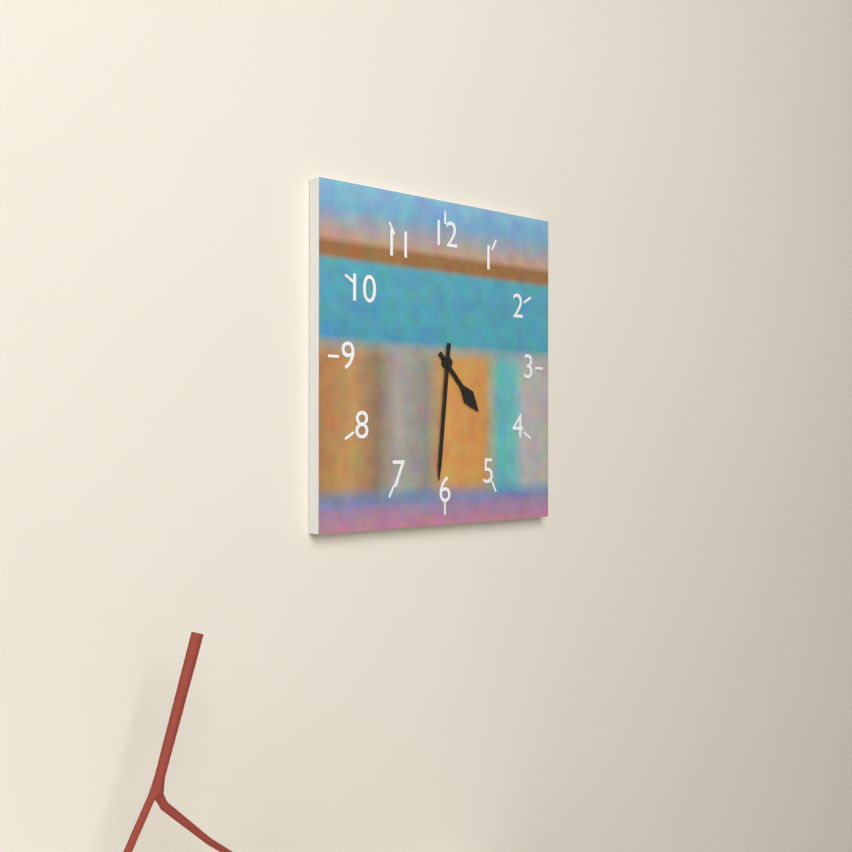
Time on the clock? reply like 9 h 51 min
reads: 4 h 31 min
